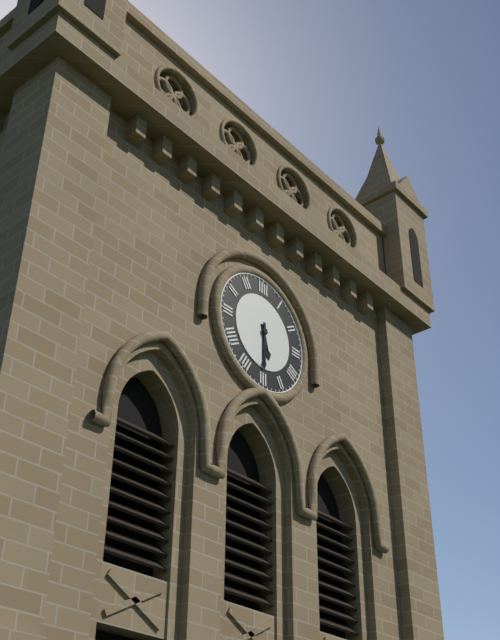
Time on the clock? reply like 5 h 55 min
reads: 5 h 30 min
